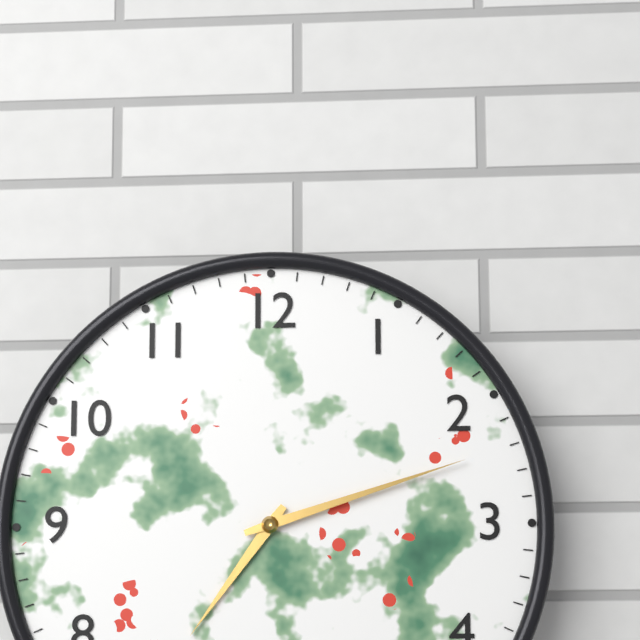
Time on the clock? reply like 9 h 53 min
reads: 7 h 12 min
